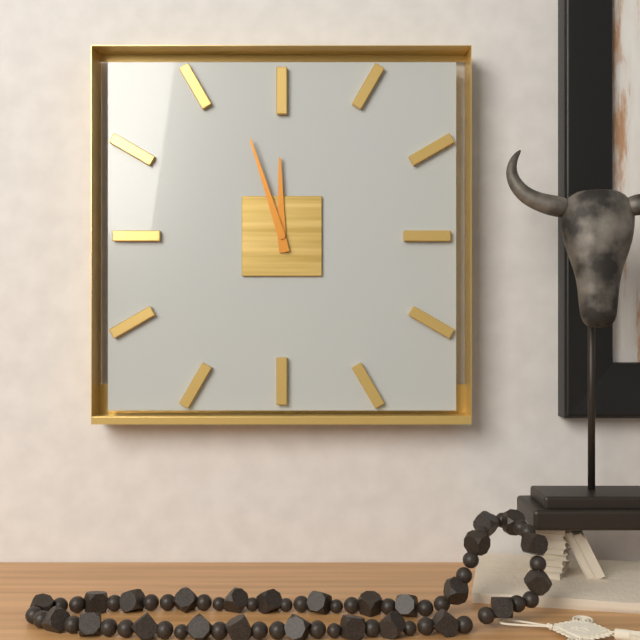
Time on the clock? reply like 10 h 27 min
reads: 11 h 57 min
